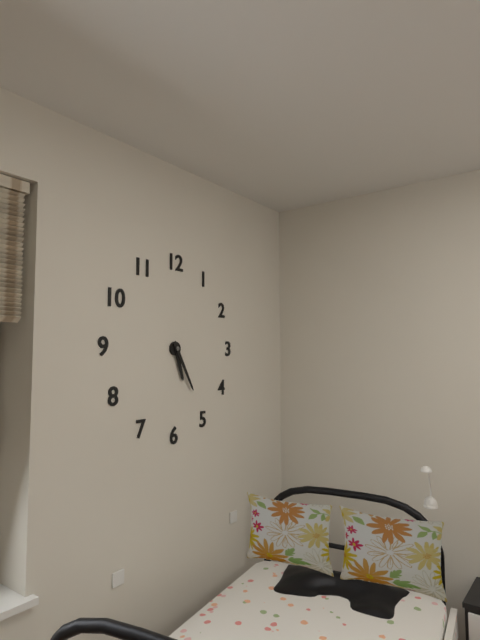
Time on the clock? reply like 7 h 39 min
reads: 5 h 25 min
